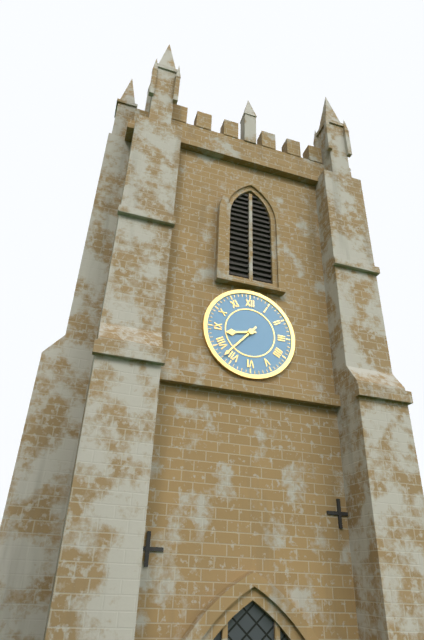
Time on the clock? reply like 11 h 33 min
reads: 8 h 37 min
